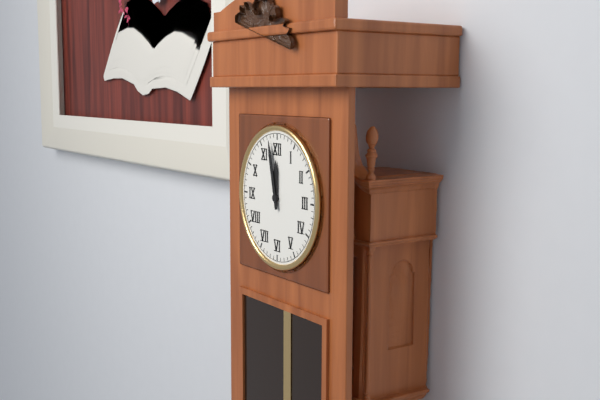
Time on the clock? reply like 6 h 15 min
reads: 11 h 58 min
